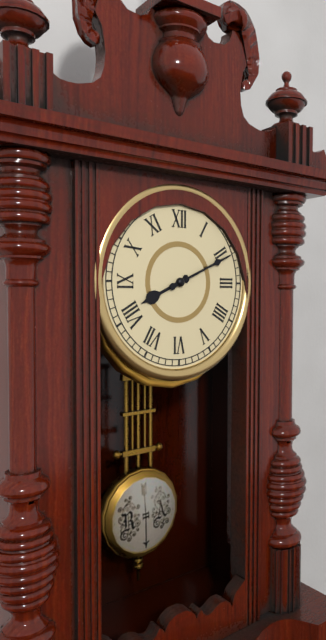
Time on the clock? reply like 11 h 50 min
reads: 8 h 11 min
